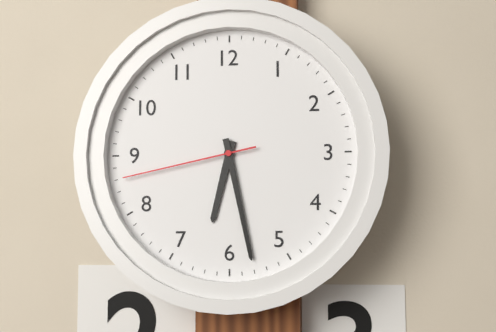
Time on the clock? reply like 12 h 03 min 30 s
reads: 6 h 28 min 43 s
